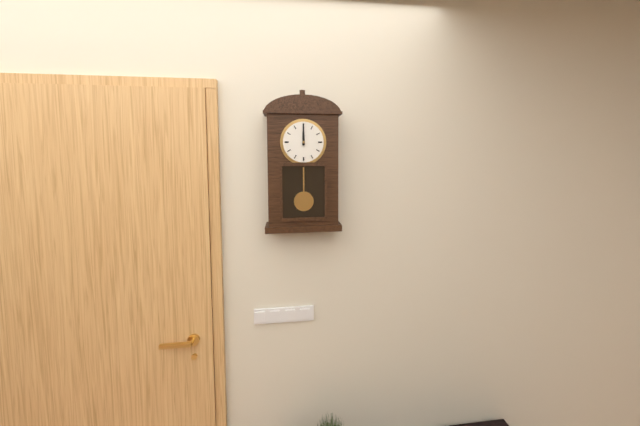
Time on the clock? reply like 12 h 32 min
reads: 12 h 00 min
